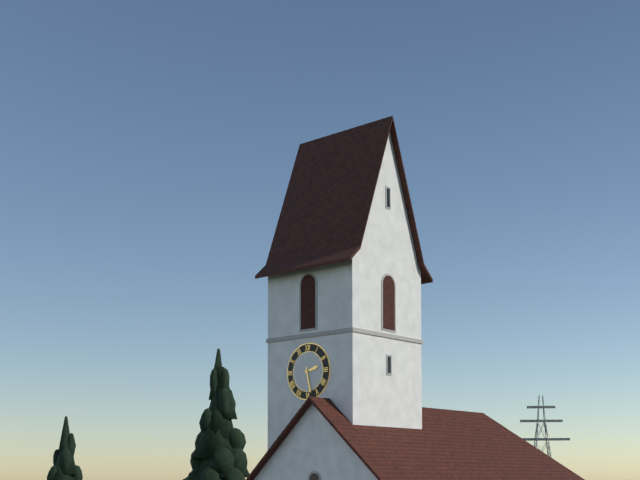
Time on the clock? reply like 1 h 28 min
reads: 2 h 28 min
